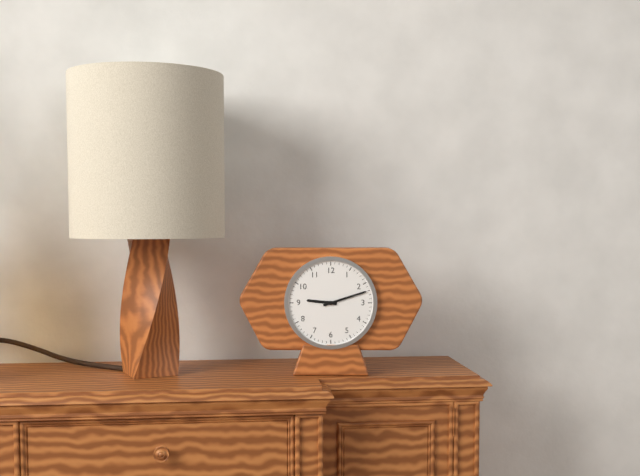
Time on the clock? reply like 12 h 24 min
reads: 9 h 12 min
